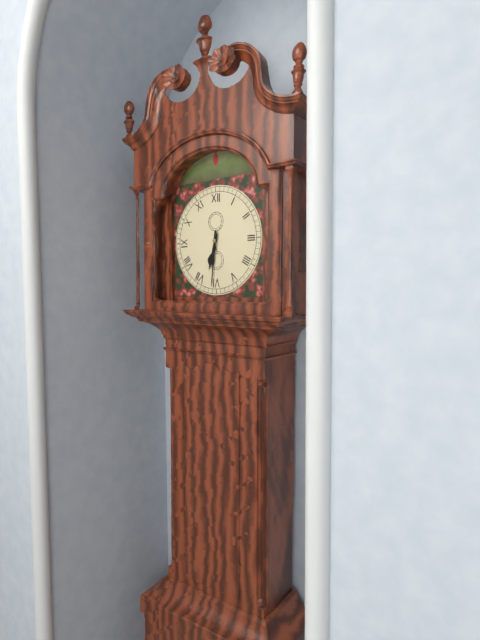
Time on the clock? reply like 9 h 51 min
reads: 6 h 31 min
